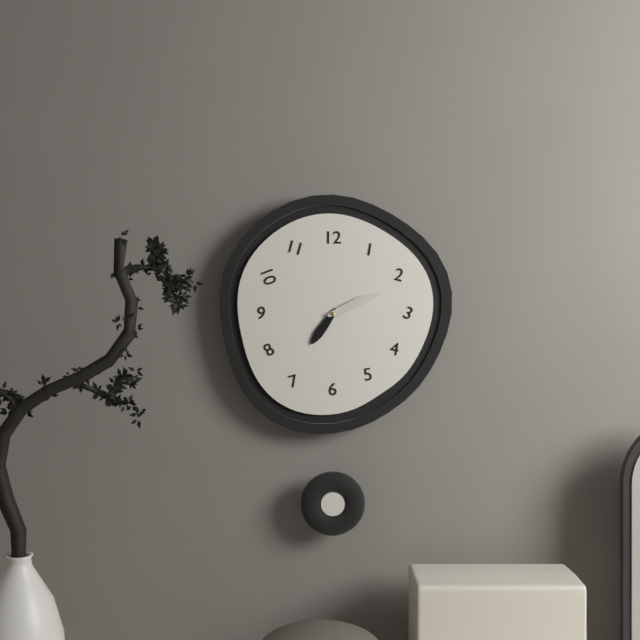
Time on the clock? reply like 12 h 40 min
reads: 7 h 11 min
